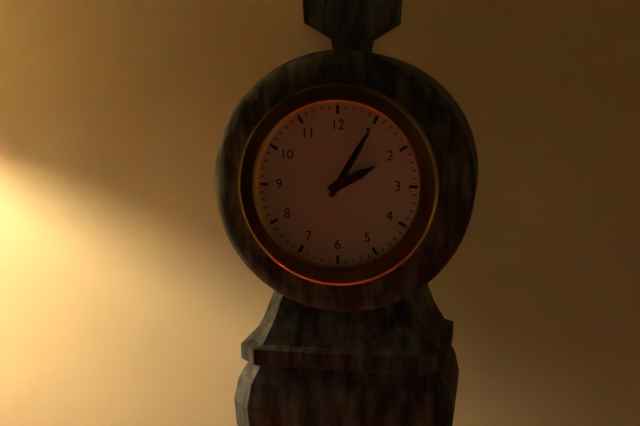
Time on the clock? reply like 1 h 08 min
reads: 2 h 05 min
